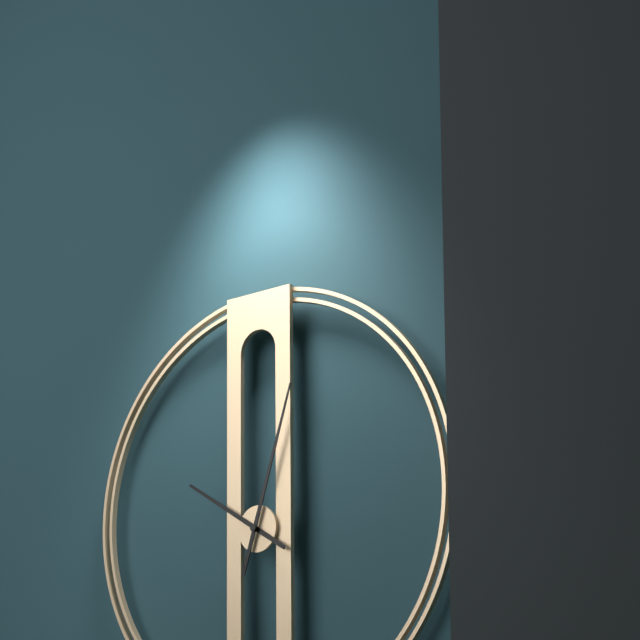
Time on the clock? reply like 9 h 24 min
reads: 10 h 03 min
